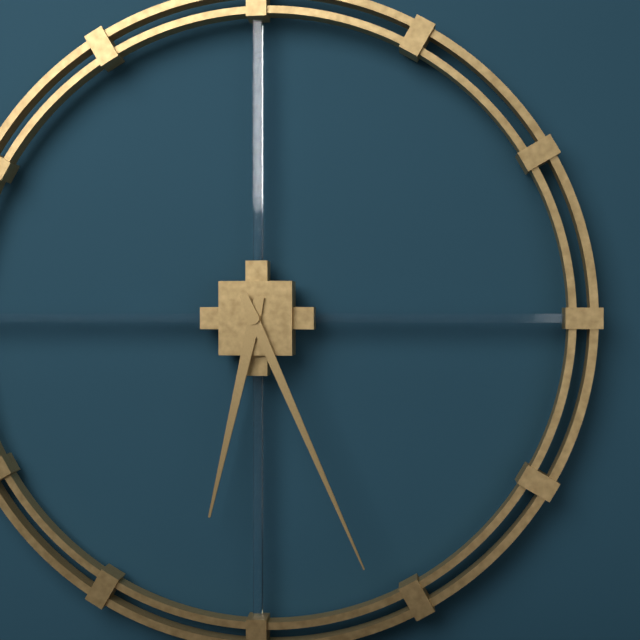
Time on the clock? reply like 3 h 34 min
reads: 6 h 26 min
